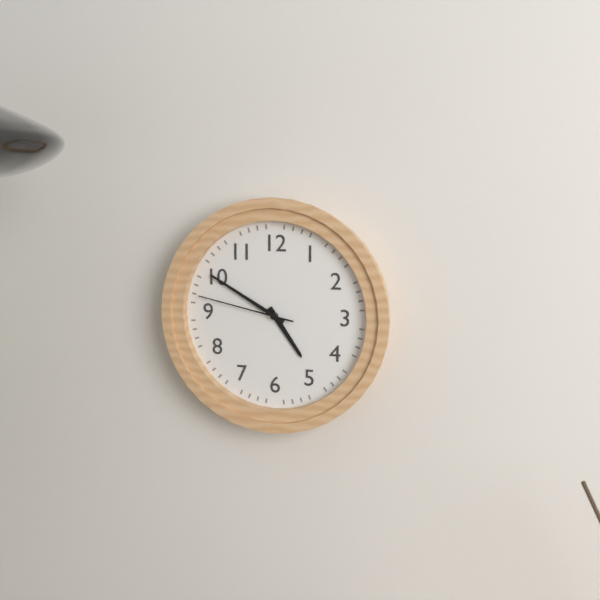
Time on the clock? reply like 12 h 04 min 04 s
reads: 4 h 50 min 47 s
